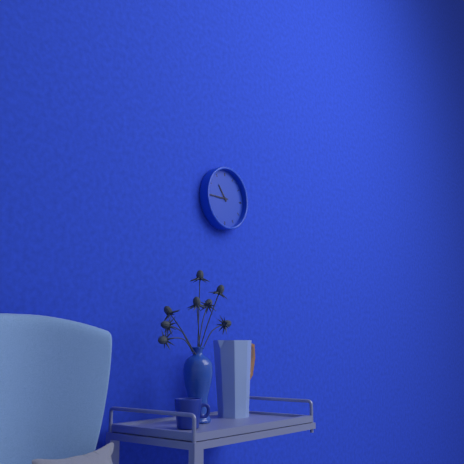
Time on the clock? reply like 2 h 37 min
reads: 10 h 45 min
